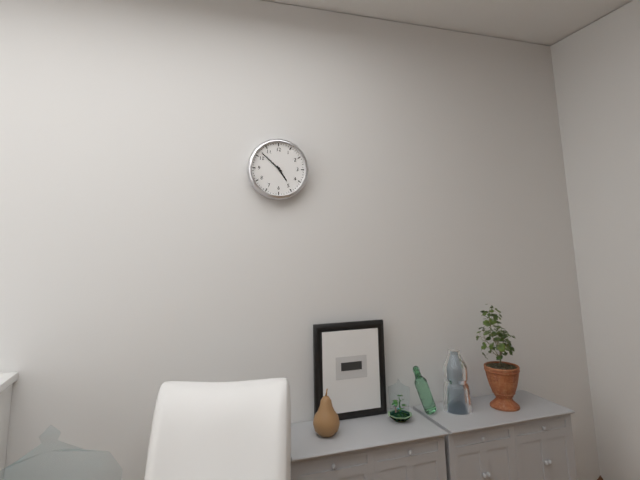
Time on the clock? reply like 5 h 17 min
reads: 4 h 52 min
